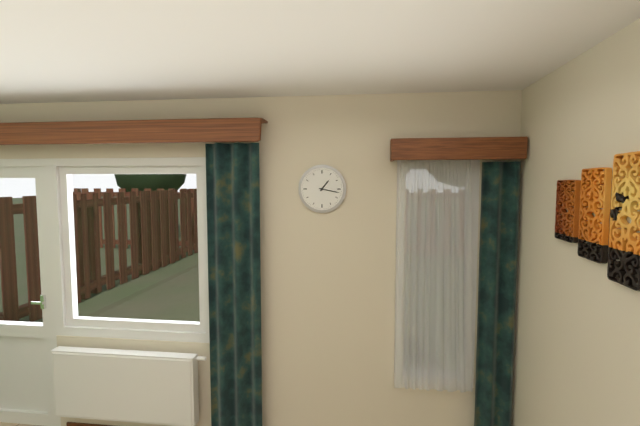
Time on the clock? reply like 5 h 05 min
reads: 1 h 17 min
